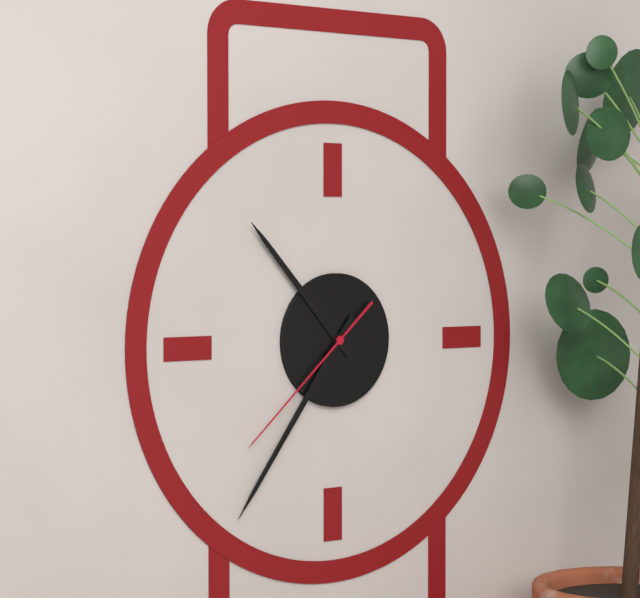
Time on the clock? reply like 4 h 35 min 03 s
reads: 10 h 36 min 38 s
